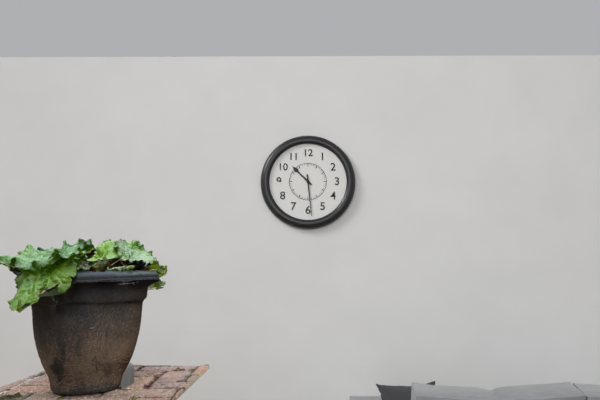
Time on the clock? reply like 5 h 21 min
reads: 10 h 29 min
